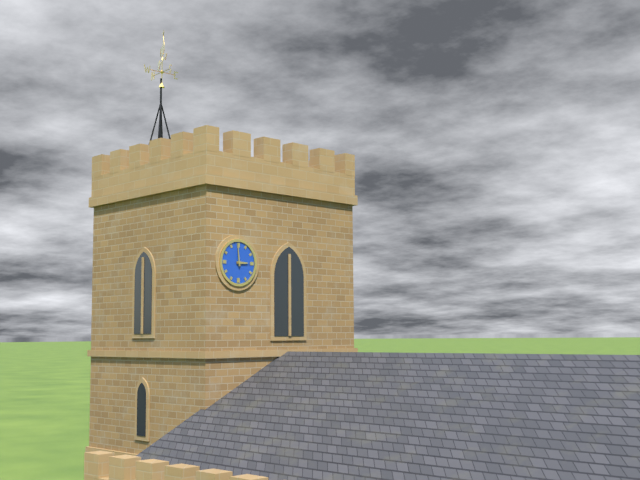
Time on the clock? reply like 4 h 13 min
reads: 2 h 59 min
